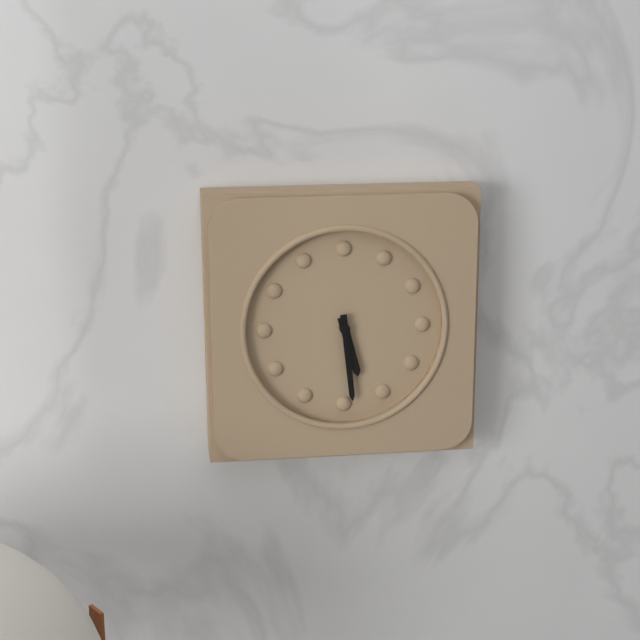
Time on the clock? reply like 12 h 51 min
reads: 5 h 29 min
